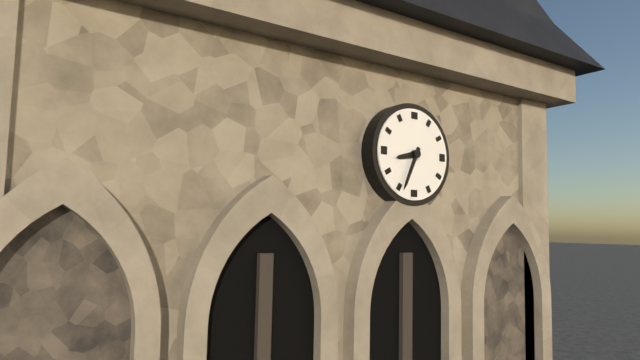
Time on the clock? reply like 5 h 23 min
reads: 8 h 34 min
